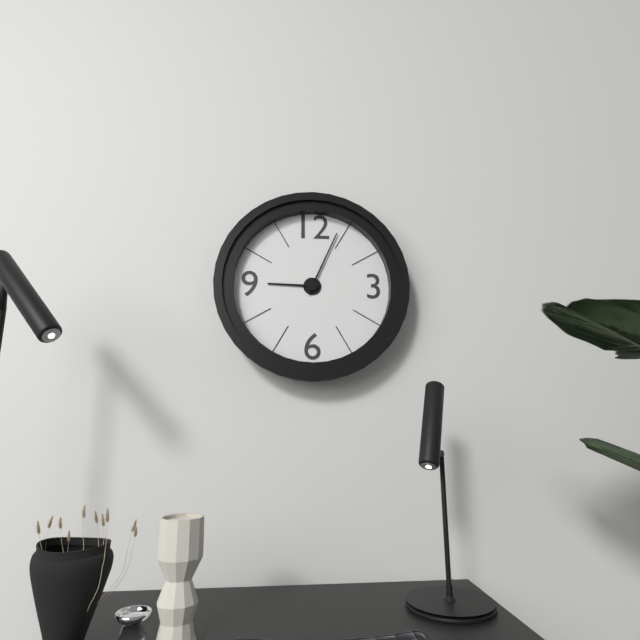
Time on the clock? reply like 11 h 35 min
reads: 9 h 04 min
